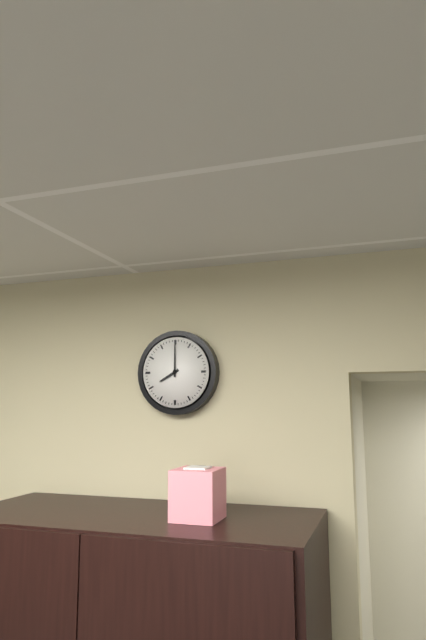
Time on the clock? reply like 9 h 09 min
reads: 8 h 00 min
